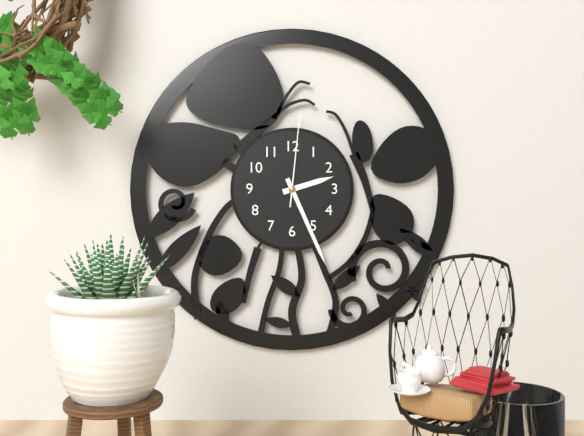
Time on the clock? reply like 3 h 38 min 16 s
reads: 2 h 26 min 01 s
